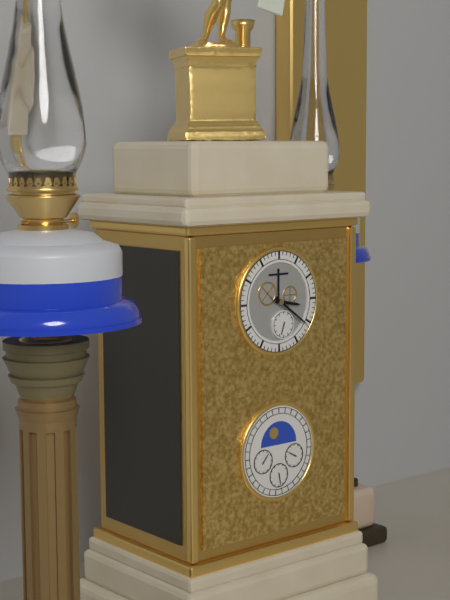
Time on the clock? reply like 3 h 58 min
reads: 3 h 21 min
